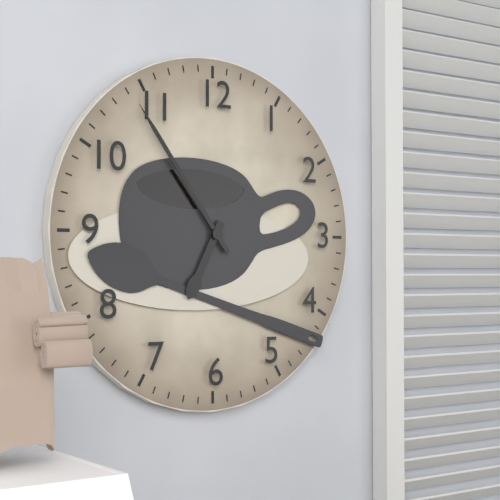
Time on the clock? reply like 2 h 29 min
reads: 6 h 54 min
